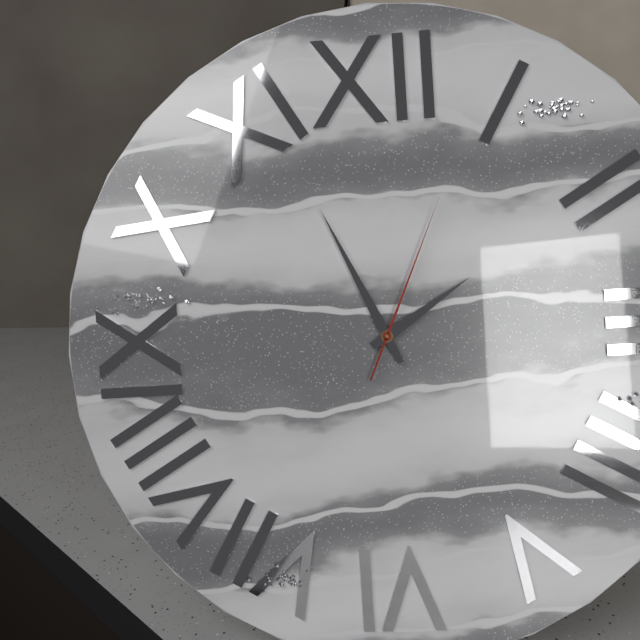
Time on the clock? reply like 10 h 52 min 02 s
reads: 1 h 56 min 04 s
